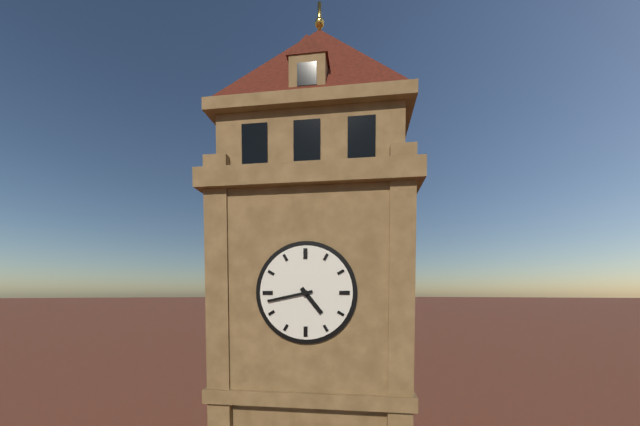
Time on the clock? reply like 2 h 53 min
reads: 4 h 43 min
